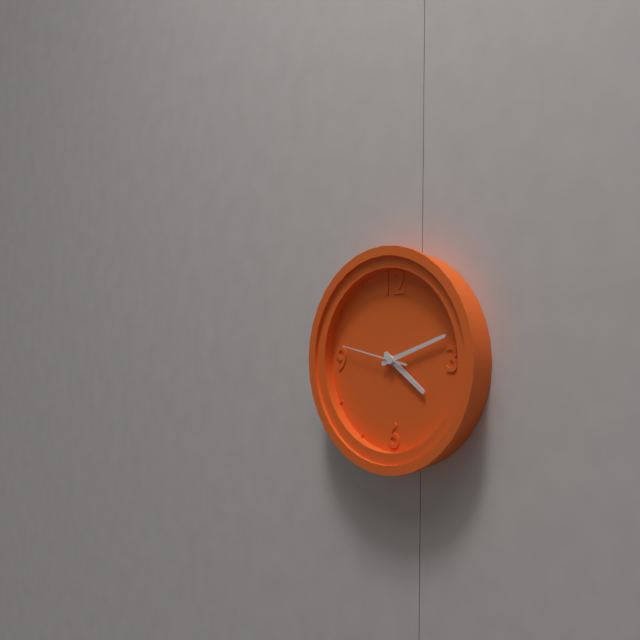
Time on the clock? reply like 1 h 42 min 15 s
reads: 4 h 12 min 47 s
